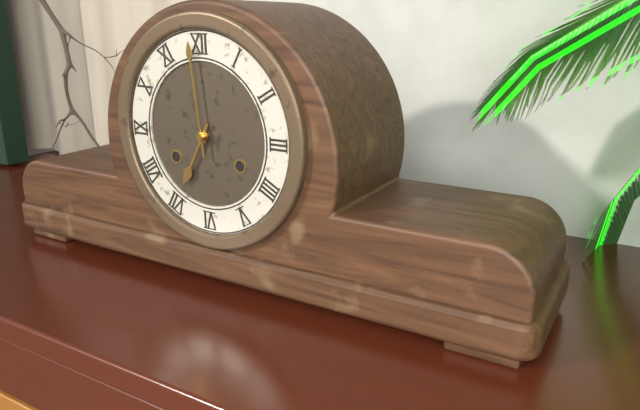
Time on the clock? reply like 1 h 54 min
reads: 6 h 59 min
